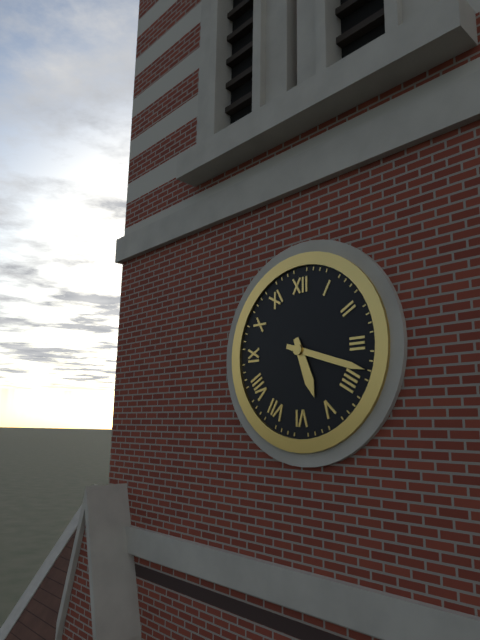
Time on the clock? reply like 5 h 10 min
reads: 5 h 18 min
